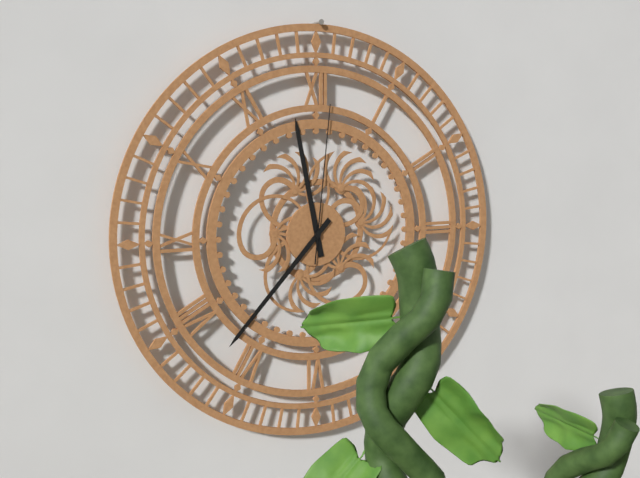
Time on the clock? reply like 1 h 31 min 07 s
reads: 11 h 37 min 01 s
